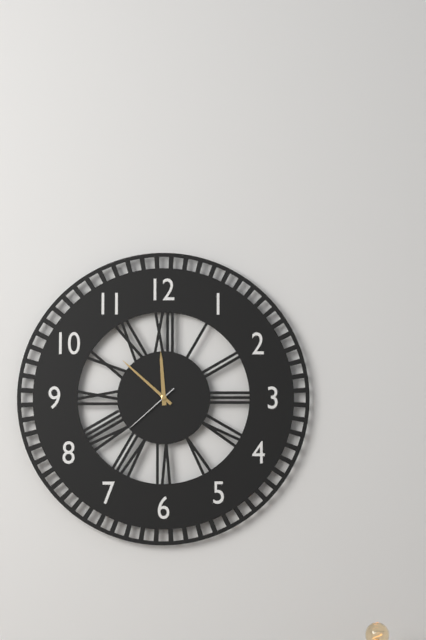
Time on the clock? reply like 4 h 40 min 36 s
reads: 11 h 52 min 38 s
